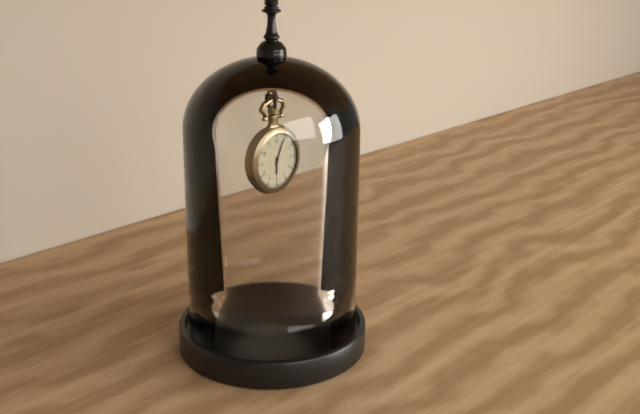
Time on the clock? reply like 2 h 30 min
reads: 6 h 04 min
